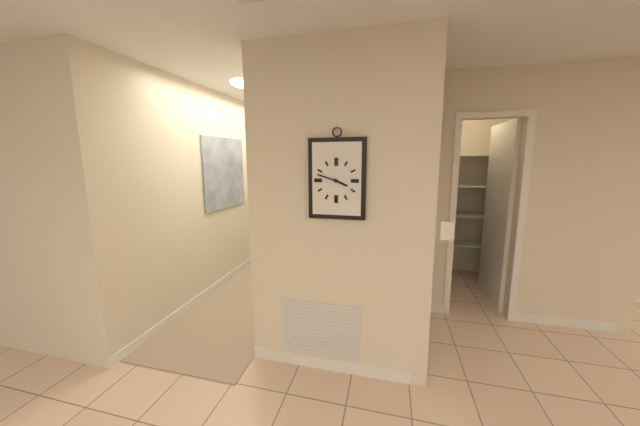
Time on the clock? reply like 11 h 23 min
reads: 3 h 48 min
